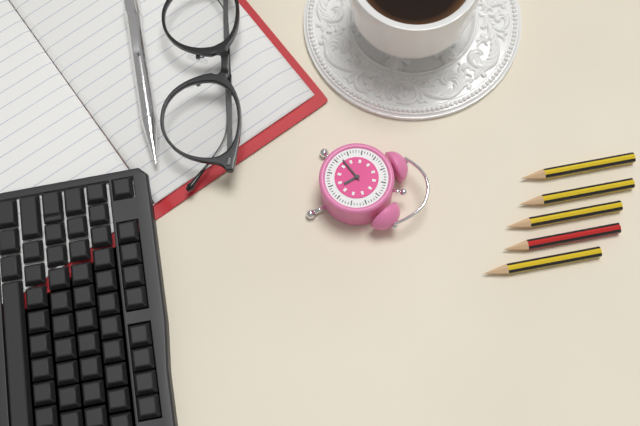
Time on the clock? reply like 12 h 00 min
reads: 4 h 37 min
